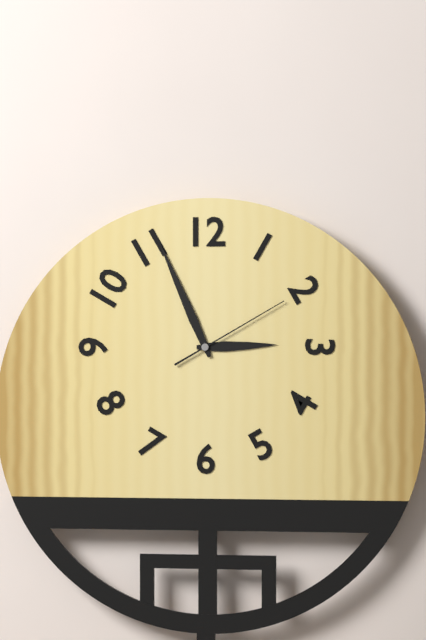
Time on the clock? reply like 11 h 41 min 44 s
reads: 2 h 56 min 10 s
